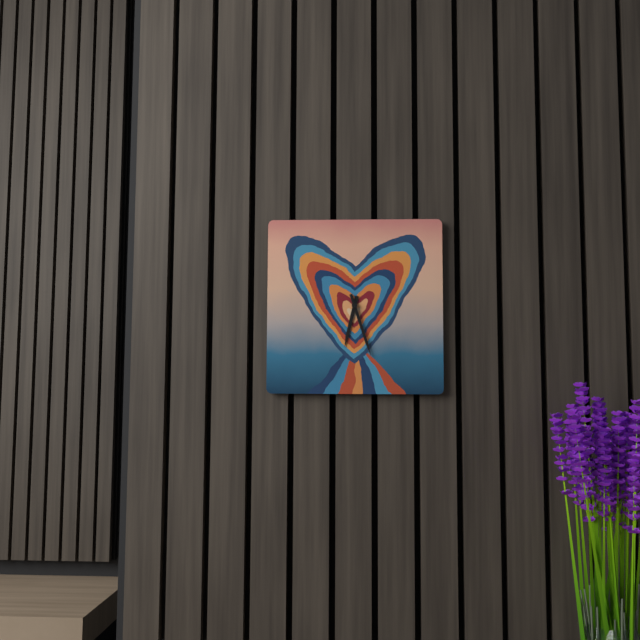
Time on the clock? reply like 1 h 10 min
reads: 6 h 27 min
